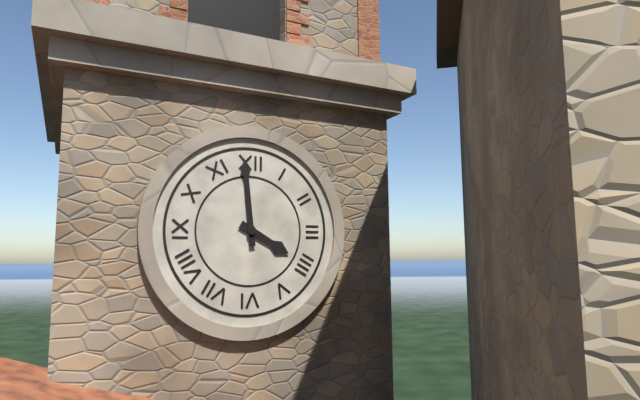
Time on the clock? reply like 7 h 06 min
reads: 3 h 59 min
